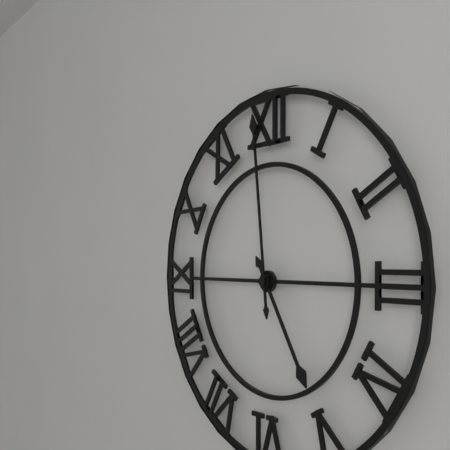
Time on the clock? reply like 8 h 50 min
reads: 4 h 59 min
